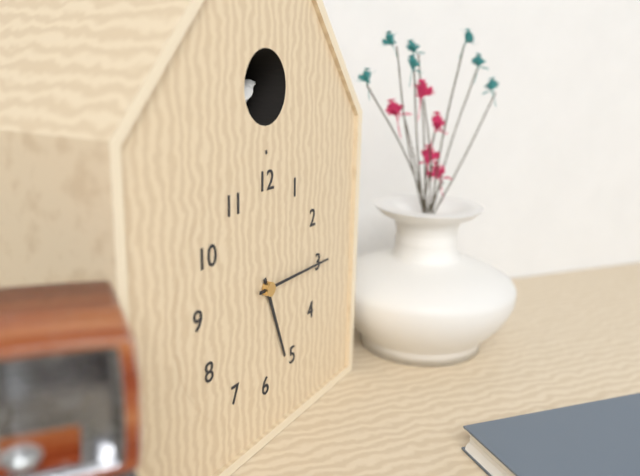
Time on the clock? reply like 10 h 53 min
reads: 5 h 15 min
